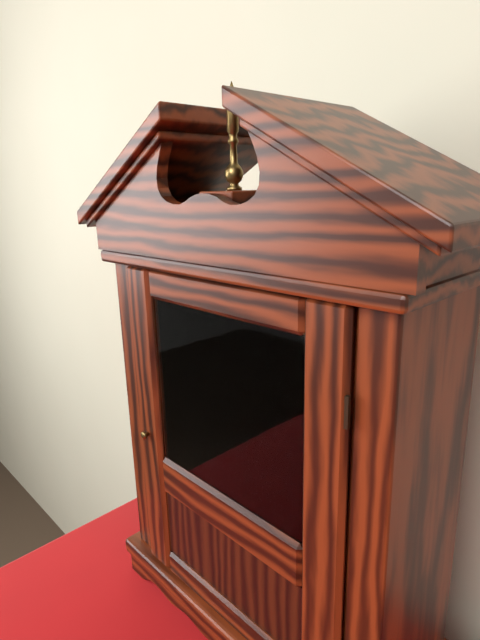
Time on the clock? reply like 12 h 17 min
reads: 1 h 44 min
